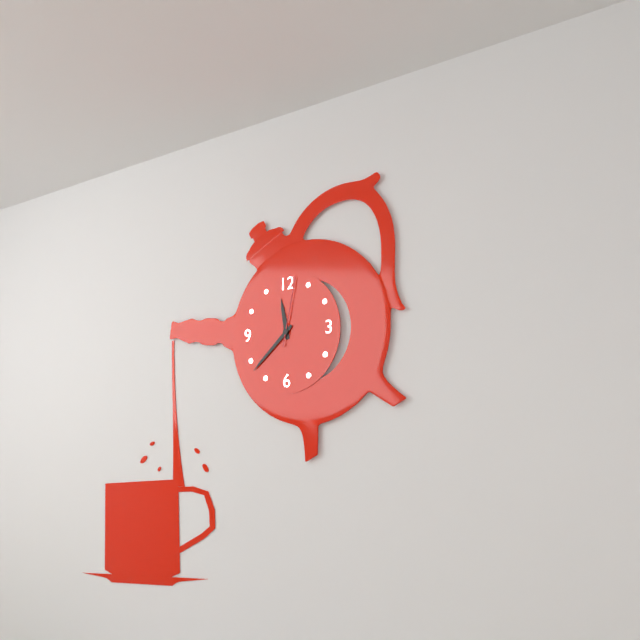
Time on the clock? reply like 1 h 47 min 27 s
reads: 11 h 38 min 02 s
